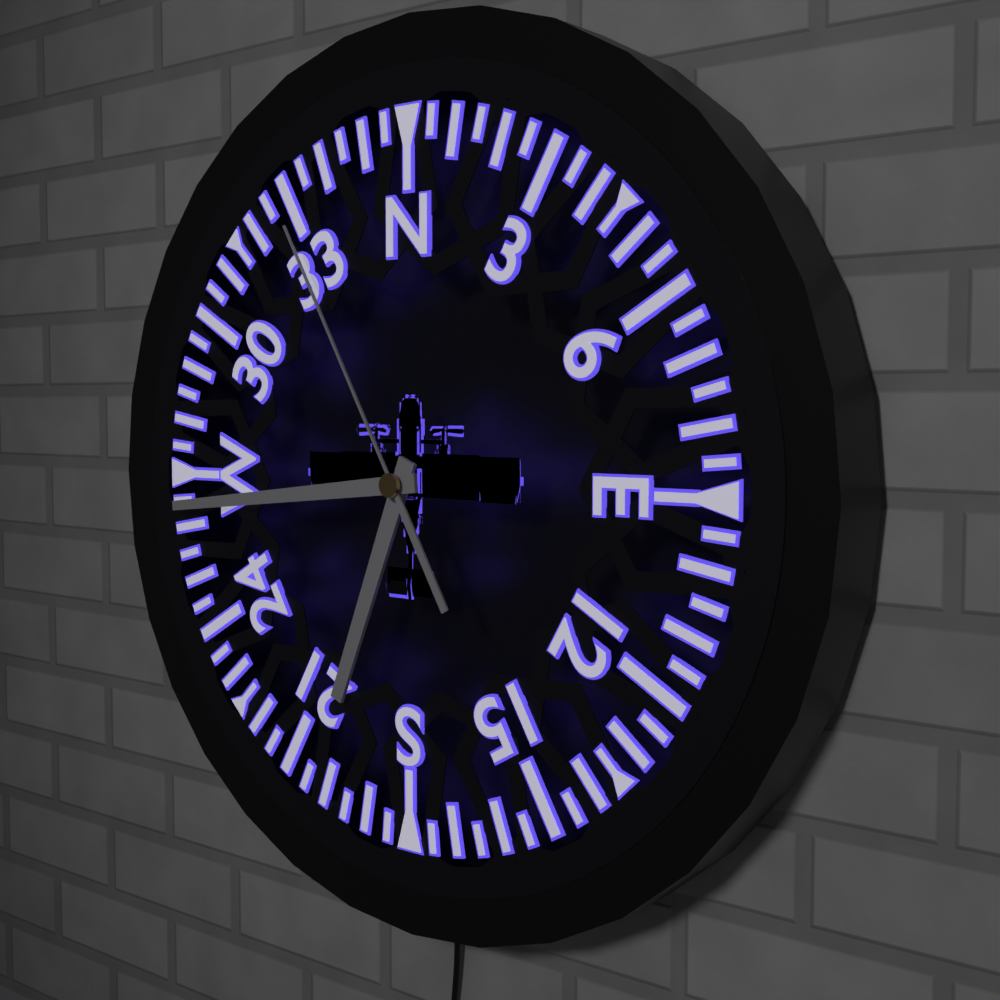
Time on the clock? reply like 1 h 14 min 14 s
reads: 6 h 44 min 55 s
